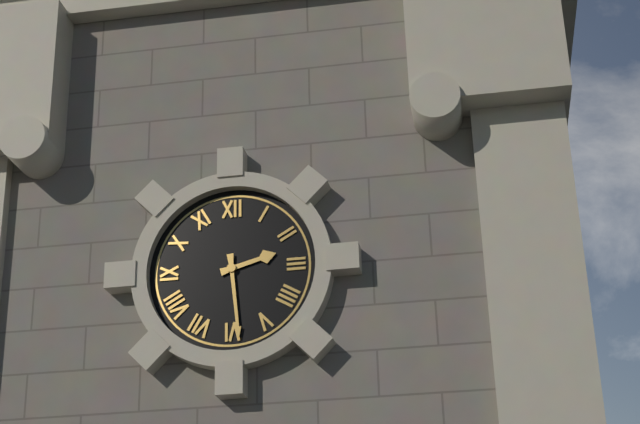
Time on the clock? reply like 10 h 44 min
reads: 2 h 29 min
